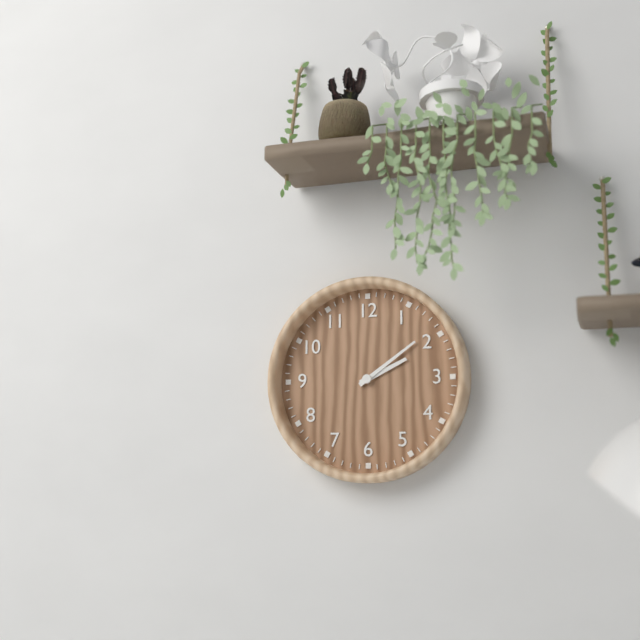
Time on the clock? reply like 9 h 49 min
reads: 2 h 09 min
